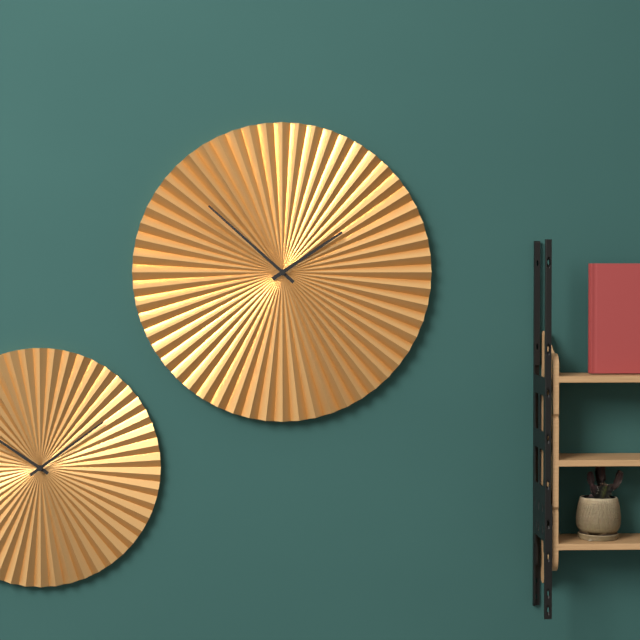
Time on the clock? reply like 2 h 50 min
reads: 1 h 52 min
